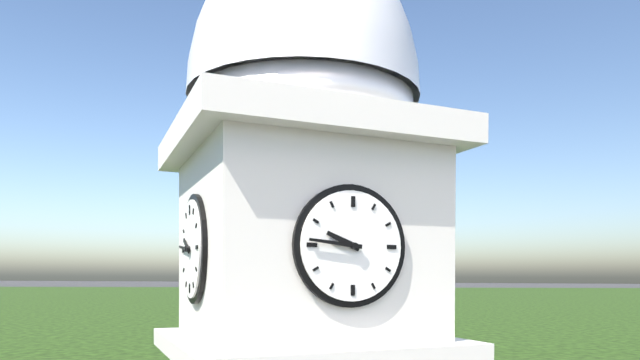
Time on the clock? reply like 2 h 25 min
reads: 9 h 46 min
